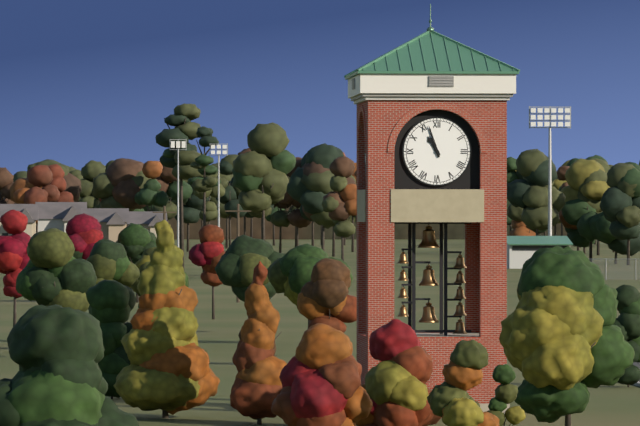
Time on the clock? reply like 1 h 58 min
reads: 10 h 57 min
